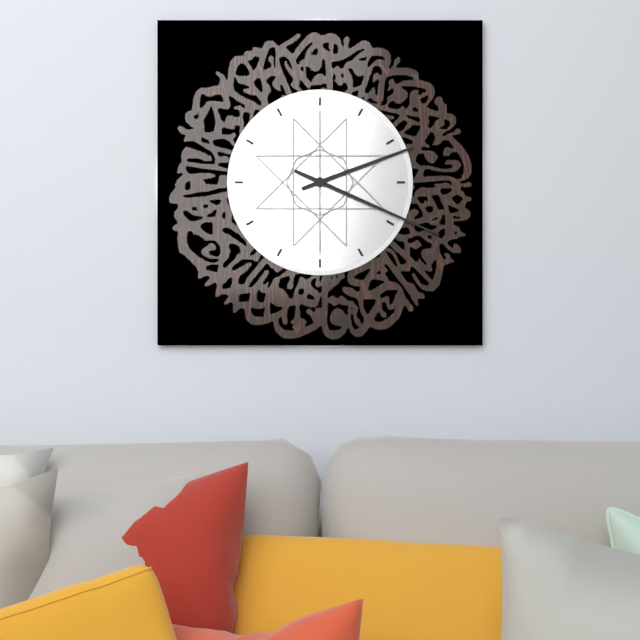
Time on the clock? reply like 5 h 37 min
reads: 2 h 19 min
